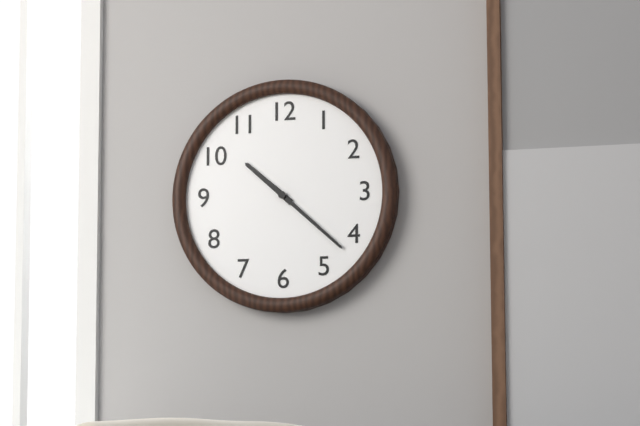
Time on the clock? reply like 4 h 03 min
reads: 10 h 22 min
